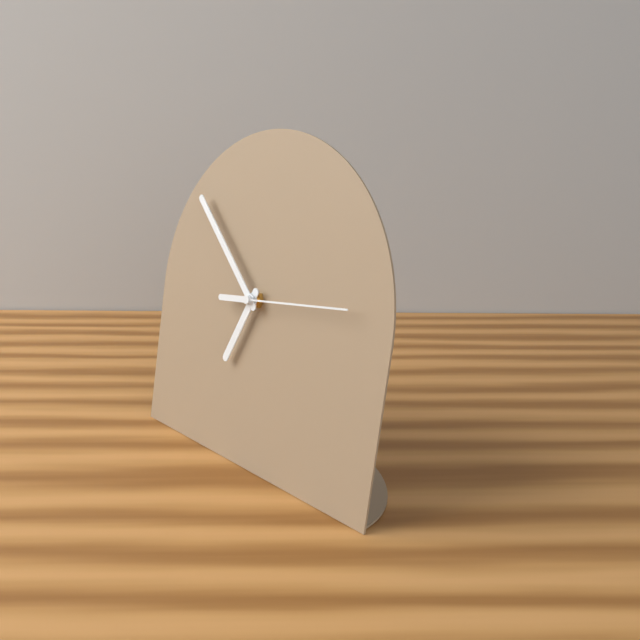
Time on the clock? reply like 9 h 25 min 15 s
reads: 6 h 52 min 14 s
